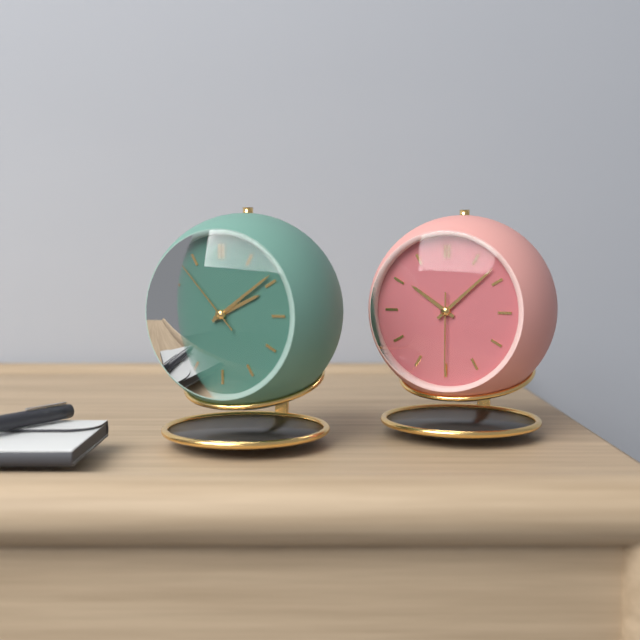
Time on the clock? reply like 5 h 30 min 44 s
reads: 2 h 09 min 53 s
